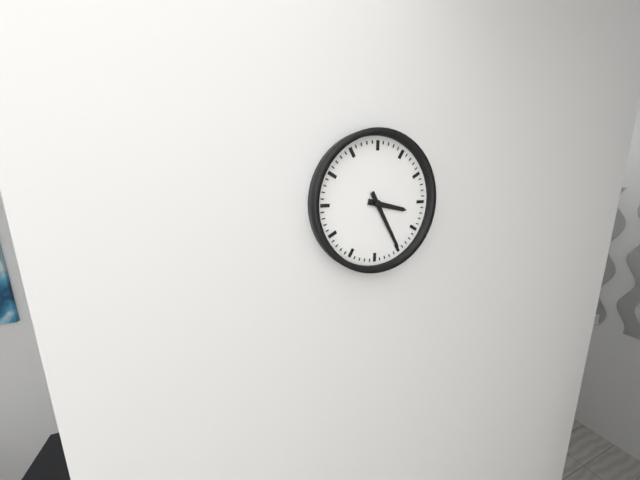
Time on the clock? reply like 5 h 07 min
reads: 3 h 25 min
